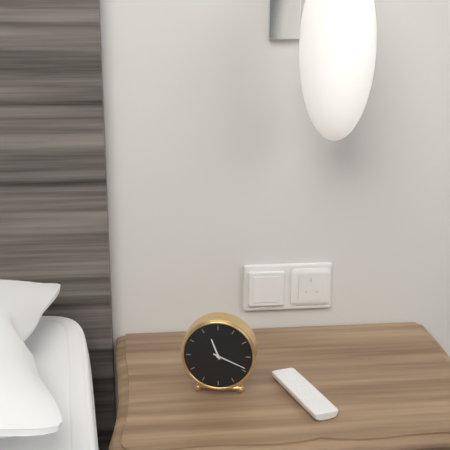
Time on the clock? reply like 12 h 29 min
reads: 11 h 19 min
